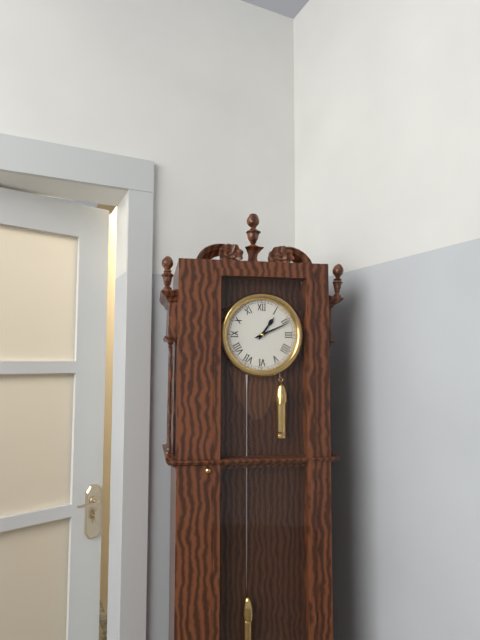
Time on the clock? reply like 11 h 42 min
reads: 1 h 11 min
